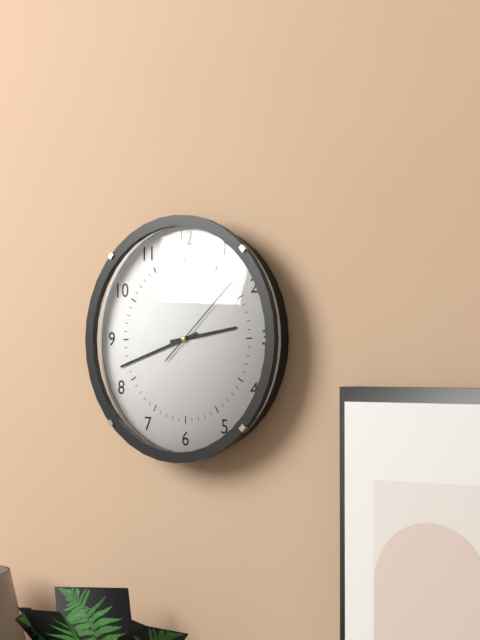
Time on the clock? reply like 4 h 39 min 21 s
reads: 2 h 42 min 08 s
